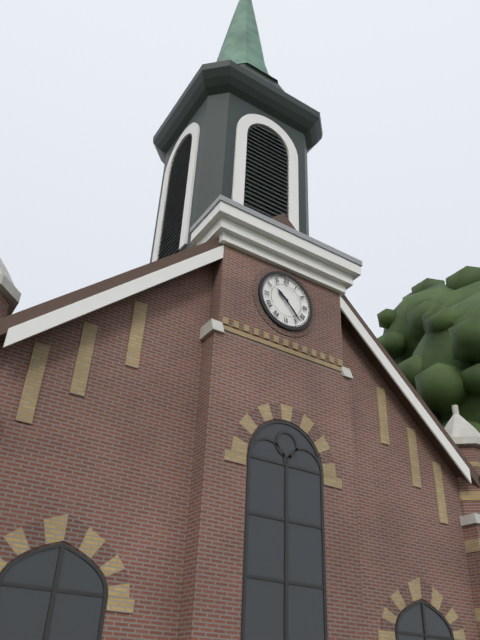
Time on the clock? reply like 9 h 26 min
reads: 10 h 23 min
